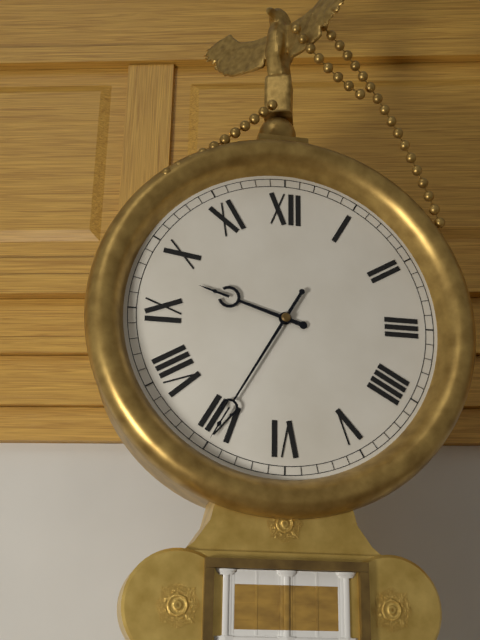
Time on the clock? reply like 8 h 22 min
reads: 9 h 35 min
